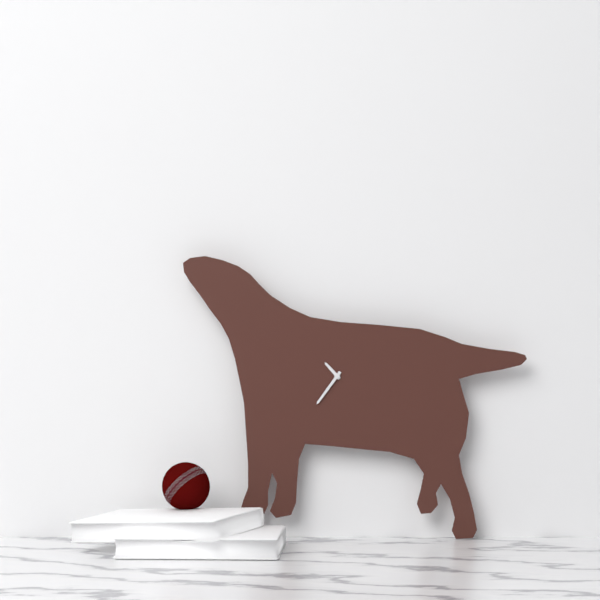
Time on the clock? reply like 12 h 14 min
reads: 10 h 36 min
